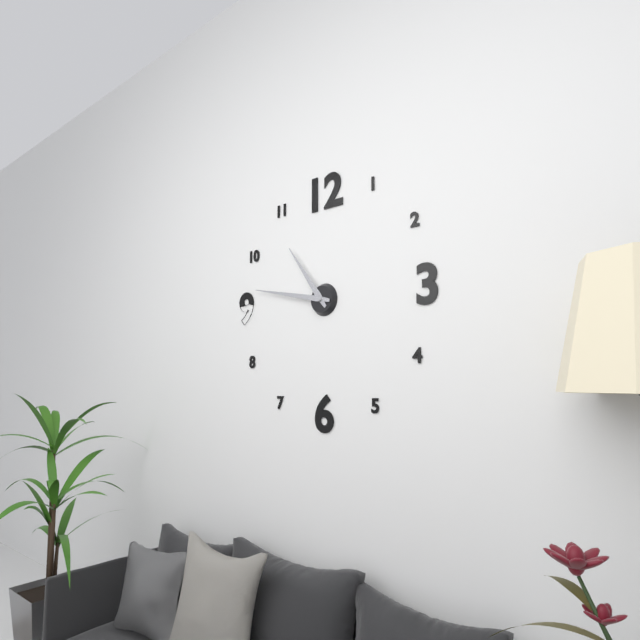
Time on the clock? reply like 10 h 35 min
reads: 10 h 47 min
